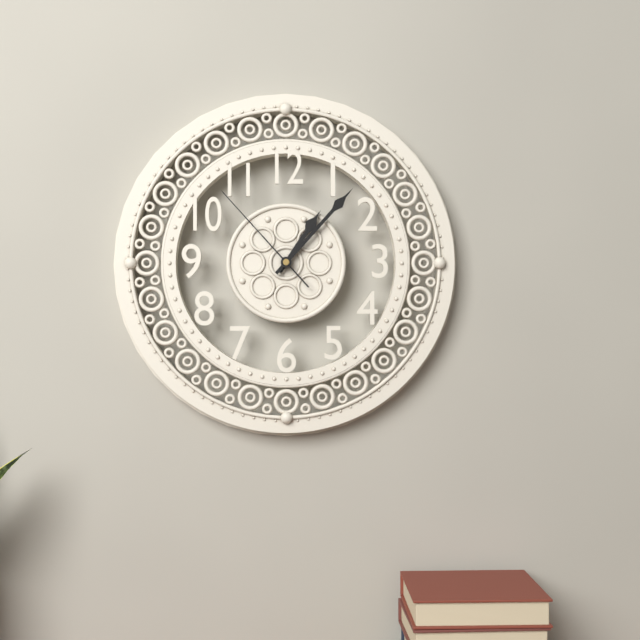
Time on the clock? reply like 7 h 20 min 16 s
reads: 1 h 07 min 53 s
